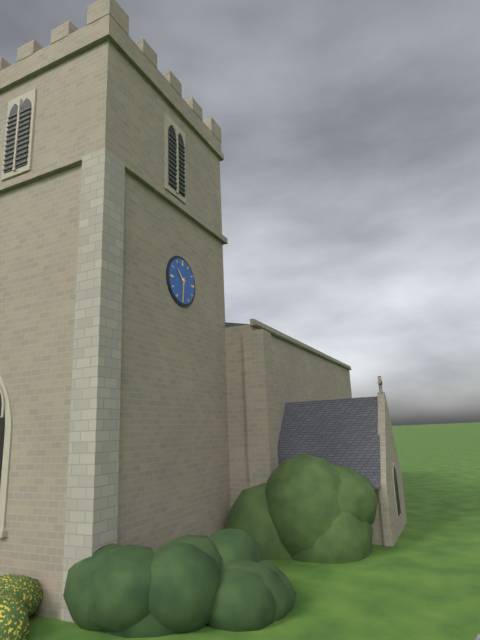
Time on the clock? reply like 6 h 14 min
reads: 10 h 31 min
